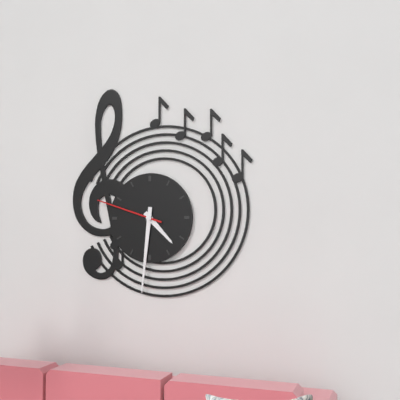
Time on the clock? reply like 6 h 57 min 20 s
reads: 4 h 31 min 48 s
